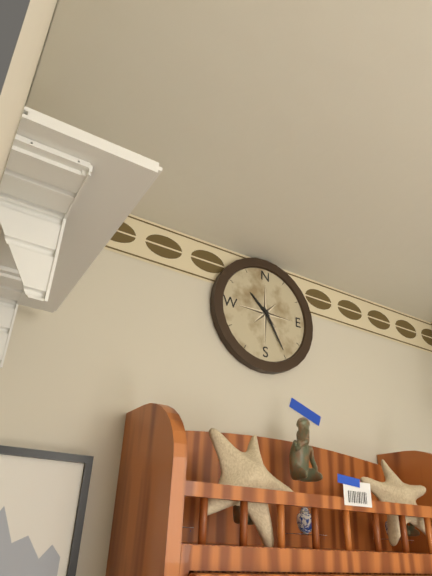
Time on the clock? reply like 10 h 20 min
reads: 10 h 25 min
